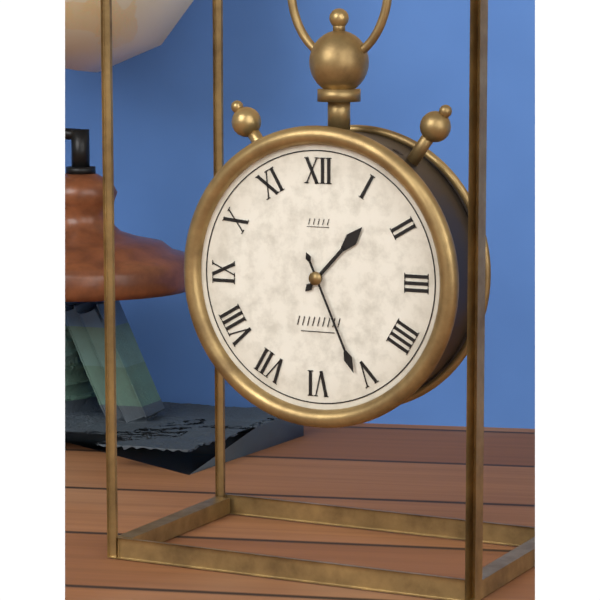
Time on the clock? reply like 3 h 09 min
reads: 1 h 26 min
